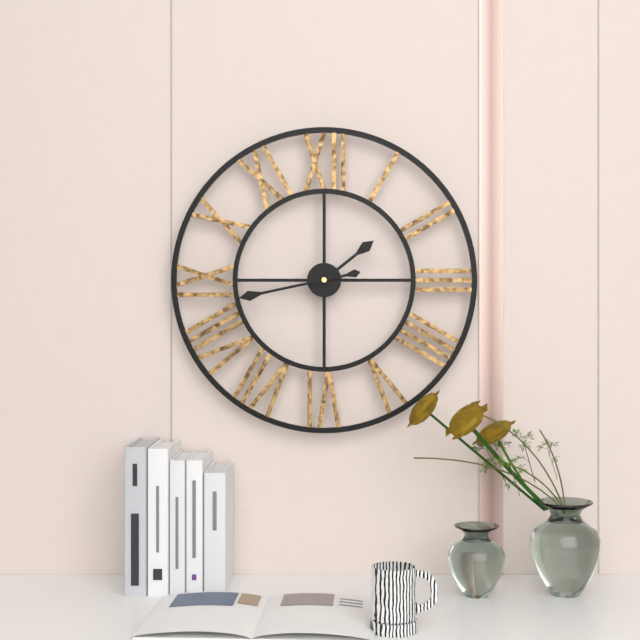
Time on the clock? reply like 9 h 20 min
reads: 1 h 43 min
